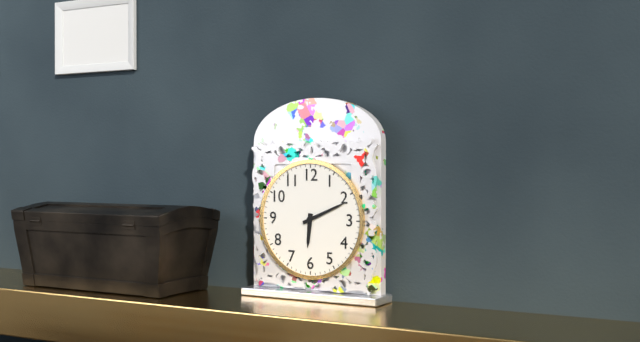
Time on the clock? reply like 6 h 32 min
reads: 6 h 11 min
